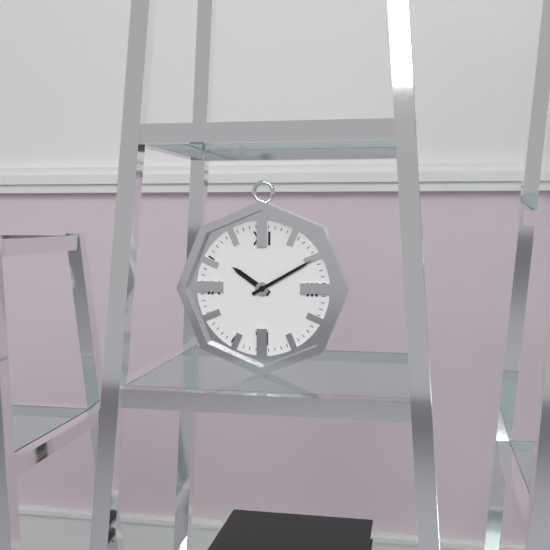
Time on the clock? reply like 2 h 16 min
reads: 10 h 10 min
